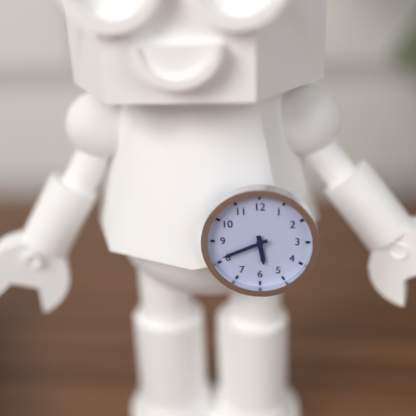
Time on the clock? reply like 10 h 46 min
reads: 5 h 41 min
